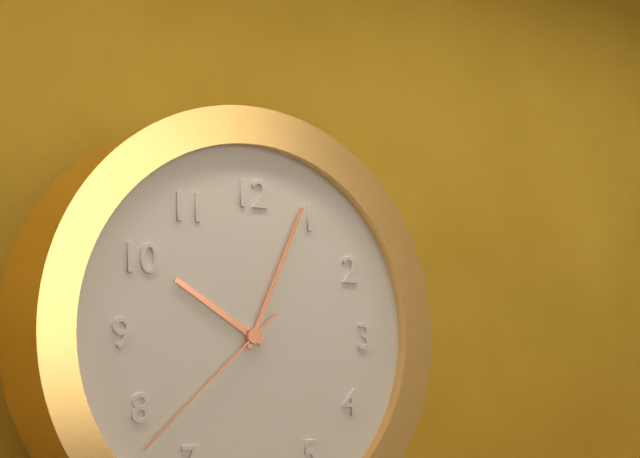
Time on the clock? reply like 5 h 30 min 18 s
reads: 10 h 04 min 38 s
